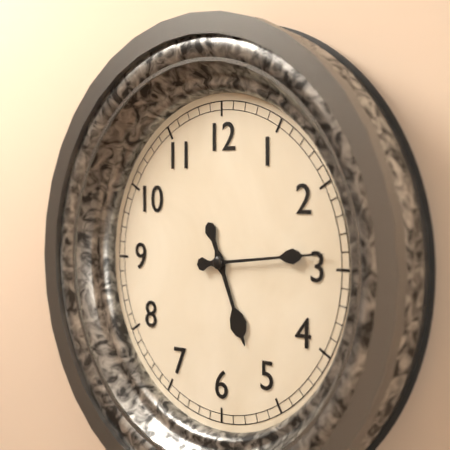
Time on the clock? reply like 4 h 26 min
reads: 5 h 14 min
